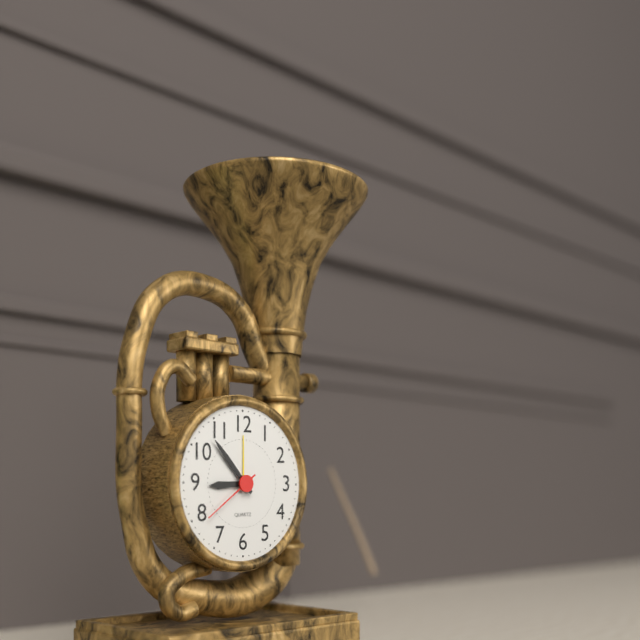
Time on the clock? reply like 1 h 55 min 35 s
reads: 8 h 53 min 39 s
